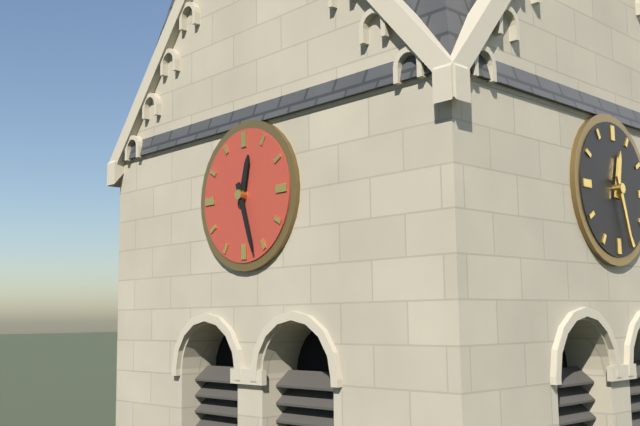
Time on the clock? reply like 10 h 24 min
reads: 12 h 27 min
